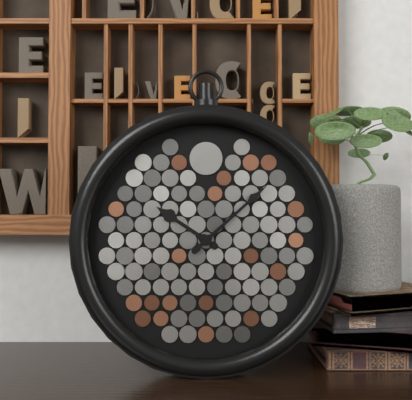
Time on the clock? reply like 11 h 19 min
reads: 10 h 08 min
